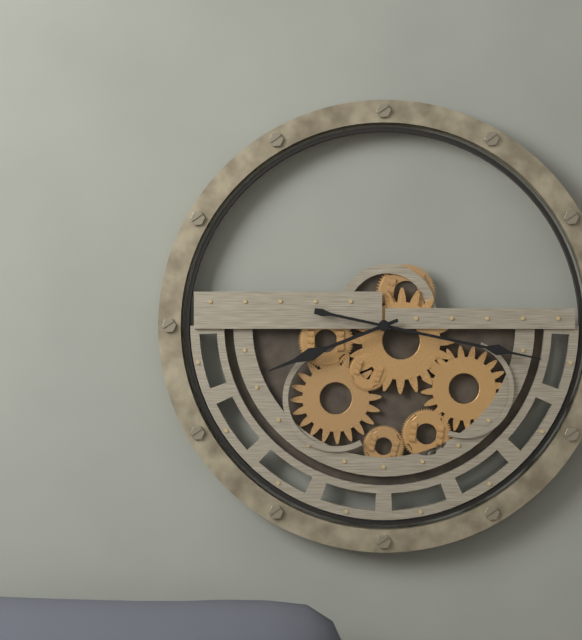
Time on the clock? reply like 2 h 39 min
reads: 8 h 17 min
